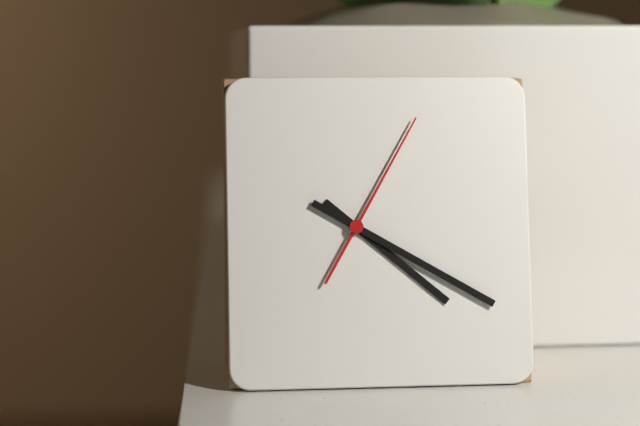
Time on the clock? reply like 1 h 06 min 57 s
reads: 4 h 20 min 05 s
